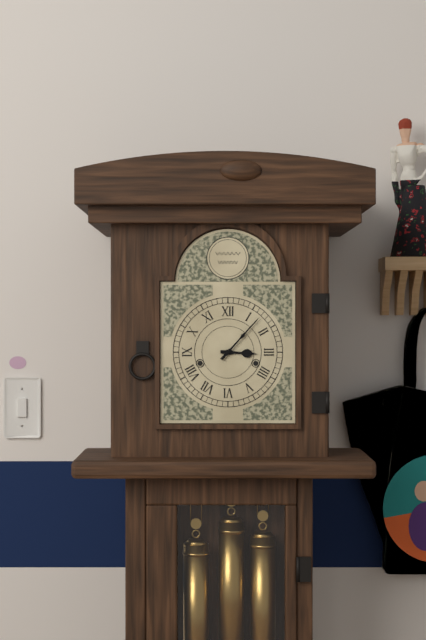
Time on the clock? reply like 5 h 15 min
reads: 3 h 07 min
